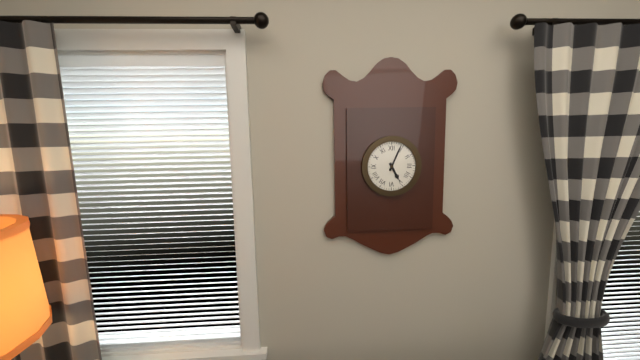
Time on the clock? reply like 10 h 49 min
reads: 5 h 04 min
